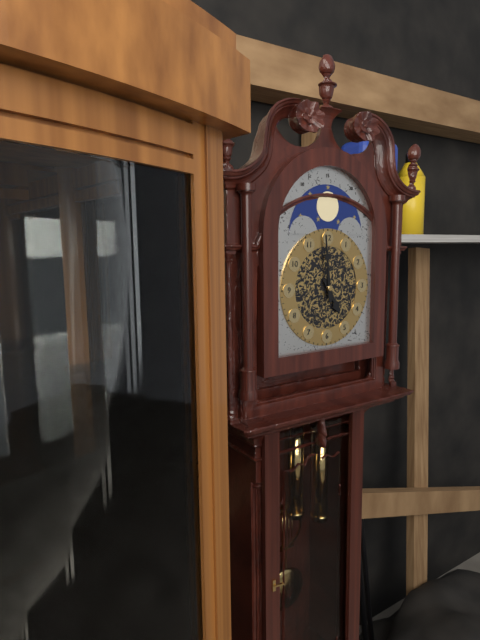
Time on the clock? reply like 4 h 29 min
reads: 4 h 59 min
